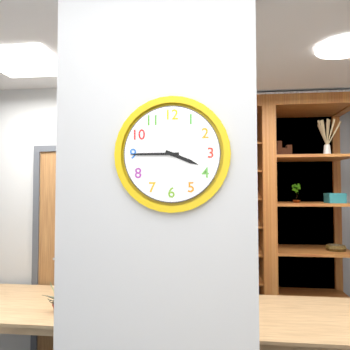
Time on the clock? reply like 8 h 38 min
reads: 3 h 45 min
